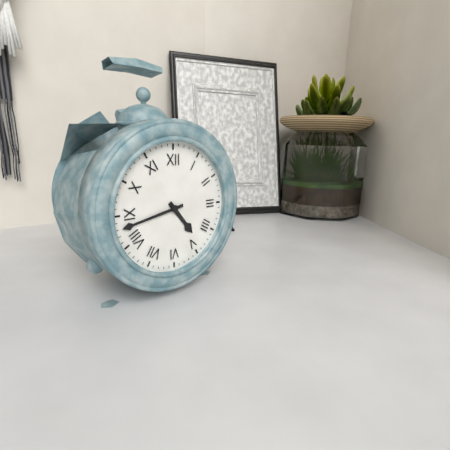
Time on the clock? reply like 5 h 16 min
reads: 4 h 43 min
